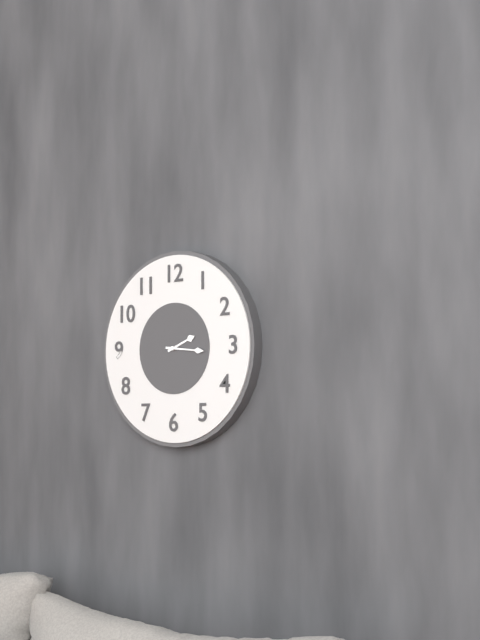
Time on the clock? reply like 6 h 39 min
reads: 2 h 16 min
